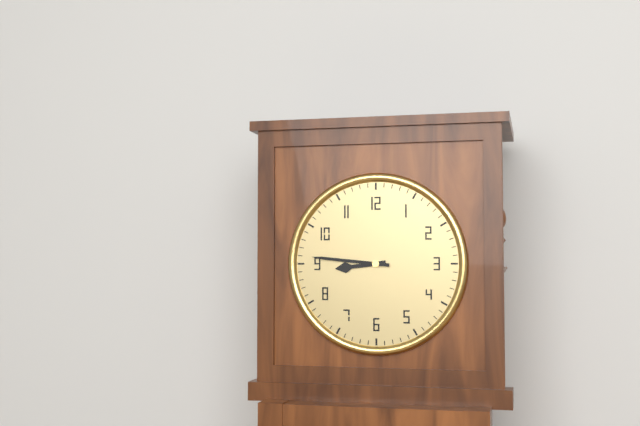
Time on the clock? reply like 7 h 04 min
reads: 8 h 46 min
